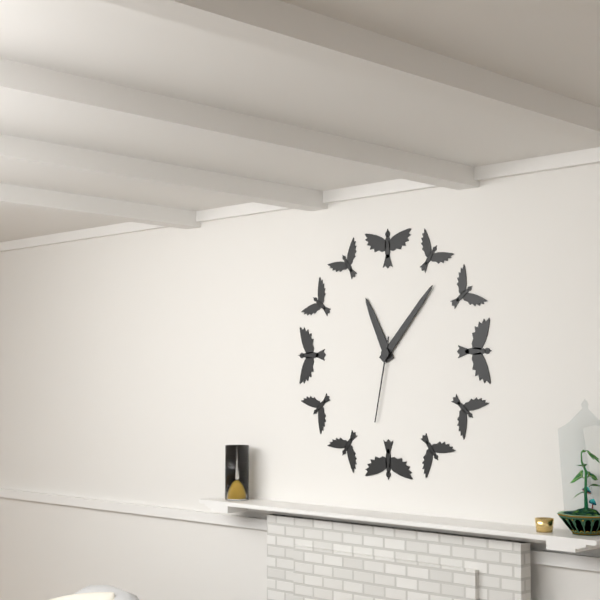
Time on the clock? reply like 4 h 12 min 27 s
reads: 11 h 07 min 32 s
